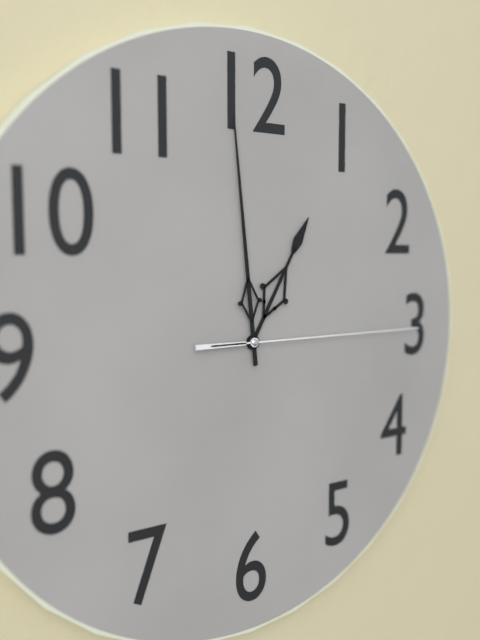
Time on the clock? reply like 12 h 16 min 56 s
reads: 12 h 59 min 15 s
